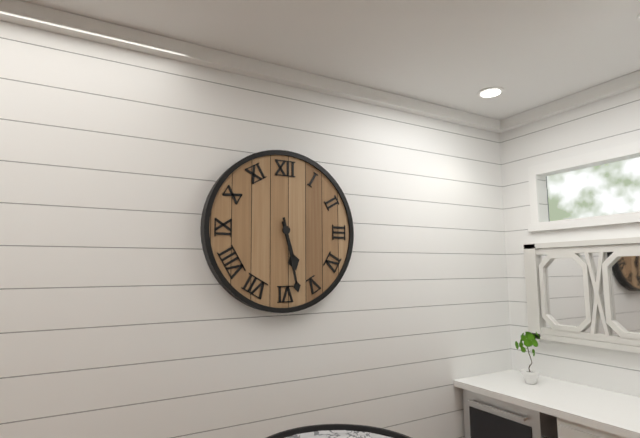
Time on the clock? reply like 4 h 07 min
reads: 5 h 28 min
